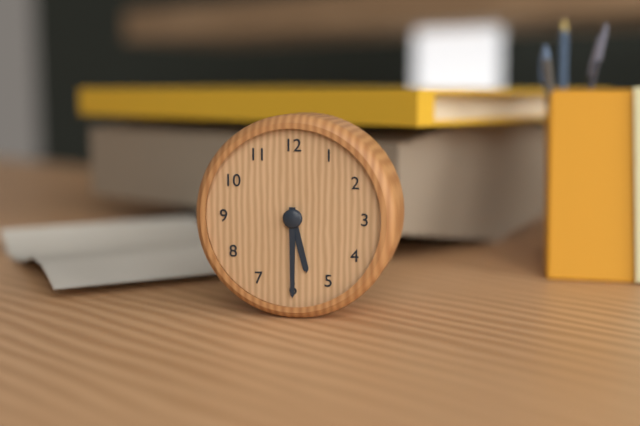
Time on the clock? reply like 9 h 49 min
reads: 5 h 30 min
